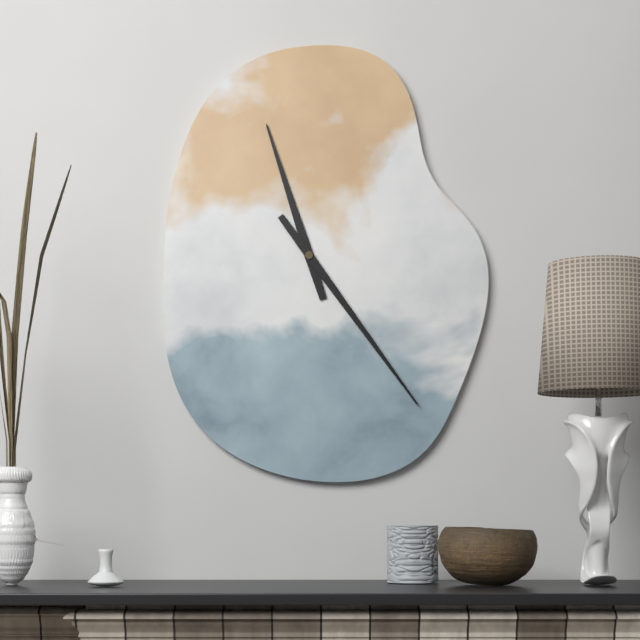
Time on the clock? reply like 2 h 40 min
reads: 11 h 24 min
